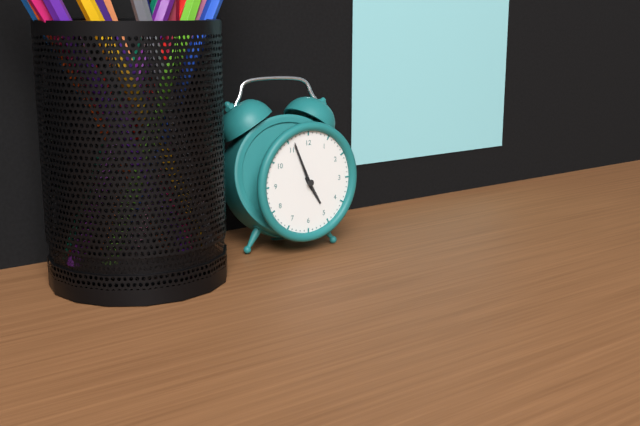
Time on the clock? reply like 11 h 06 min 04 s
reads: 4 h 56 min 56 s
